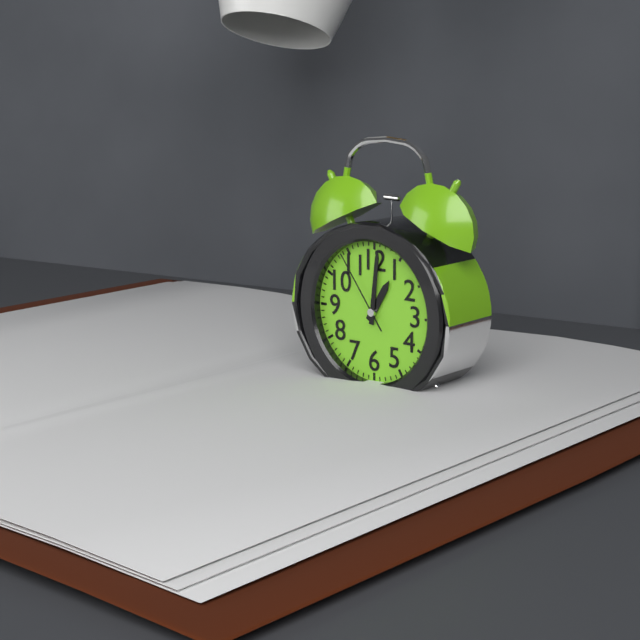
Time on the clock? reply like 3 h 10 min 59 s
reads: 1 h 01 min 54 s
